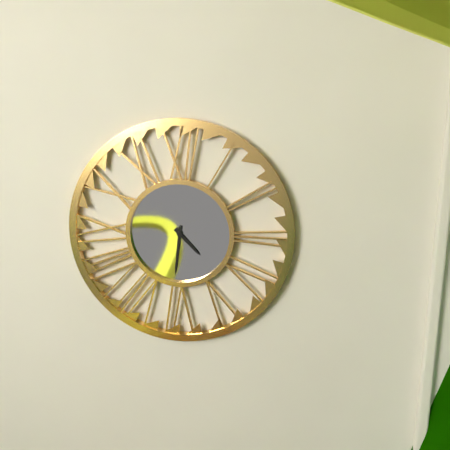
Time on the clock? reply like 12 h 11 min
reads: 4 h 31 min
